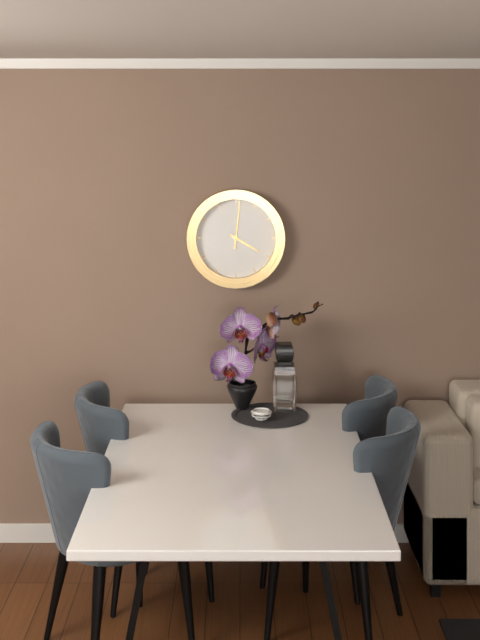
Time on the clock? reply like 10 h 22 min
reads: 4 h 01 min
